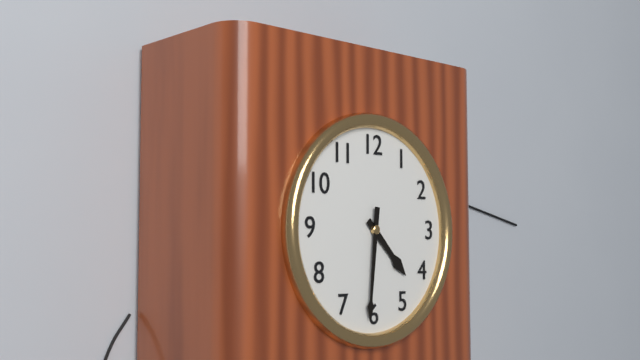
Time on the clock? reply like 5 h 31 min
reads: 4 h 31 min
